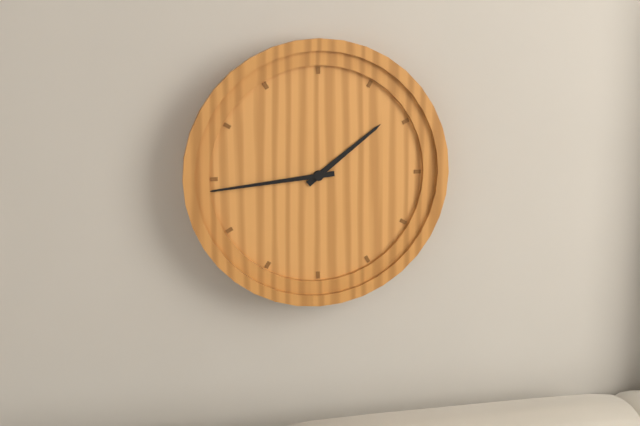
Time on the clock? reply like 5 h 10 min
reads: 1 h 44 min
